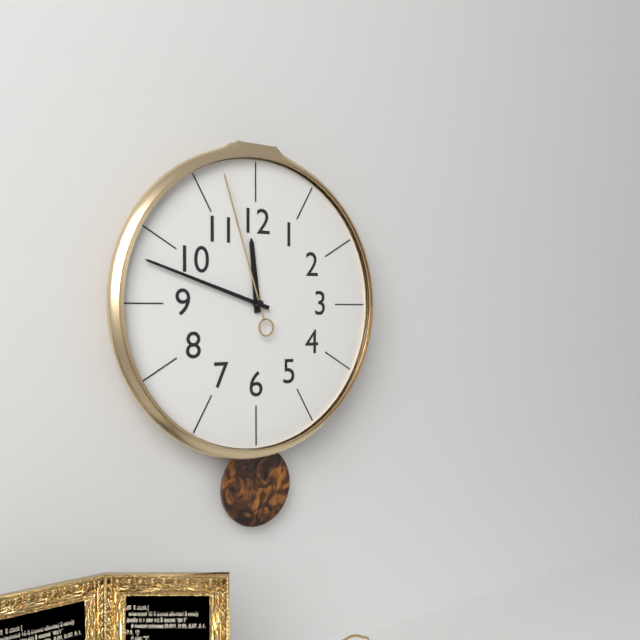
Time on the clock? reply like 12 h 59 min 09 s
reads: 11 h 48 min 57 s
